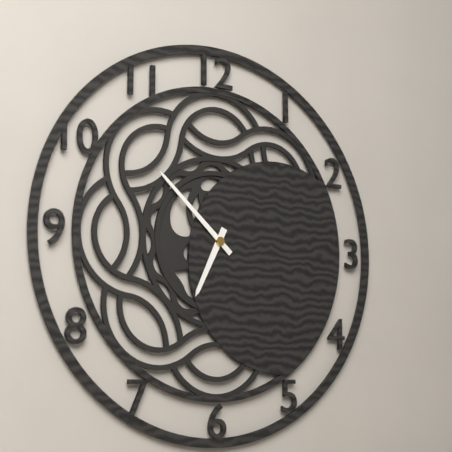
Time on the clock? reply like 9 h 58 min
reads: 6 h 52 min
